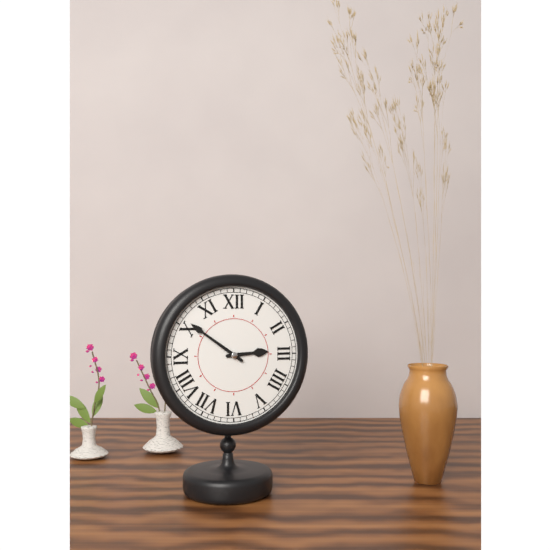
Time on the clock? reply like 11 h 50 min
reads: 2 h 51 min
